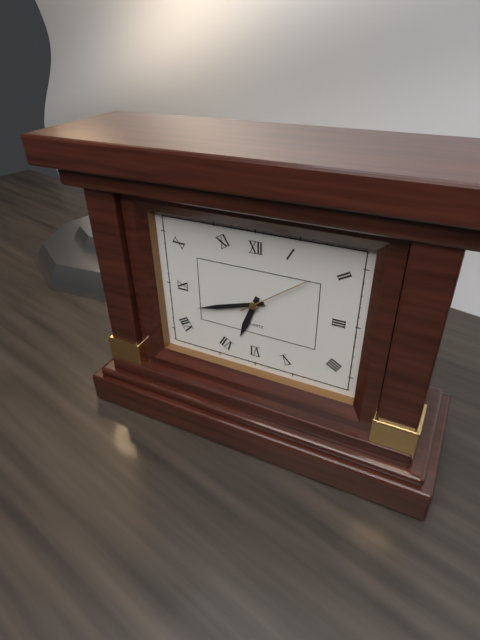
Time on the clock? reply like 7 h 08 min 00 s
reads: 6 h 42 min 09 s
